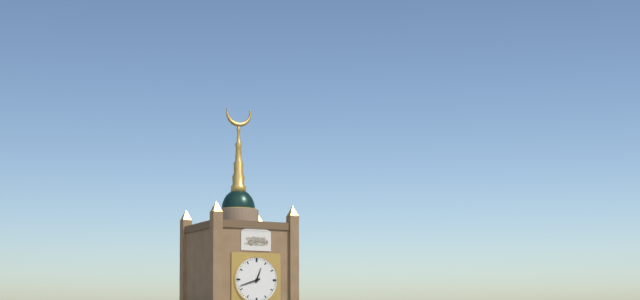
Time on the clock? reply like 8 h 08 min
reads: 12 h 42 min
